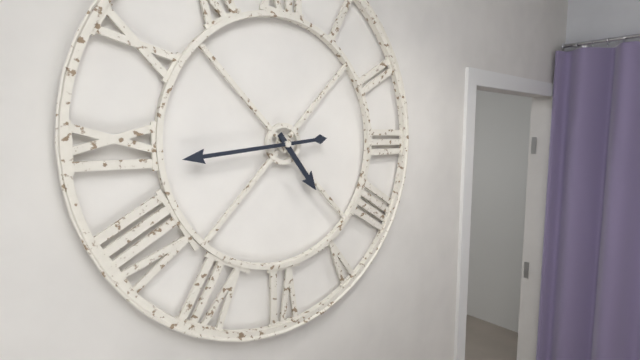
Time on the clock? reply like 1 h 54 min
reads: 4 h 44 min
